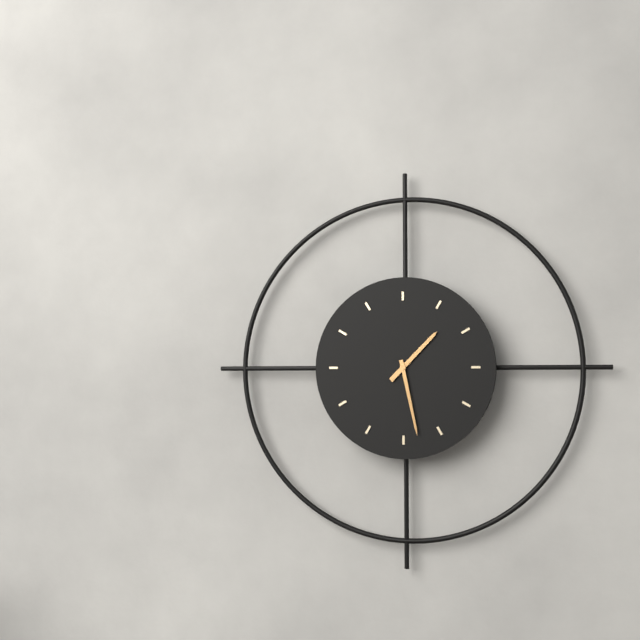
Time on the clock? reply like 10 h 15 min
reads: 1 h 28 min
